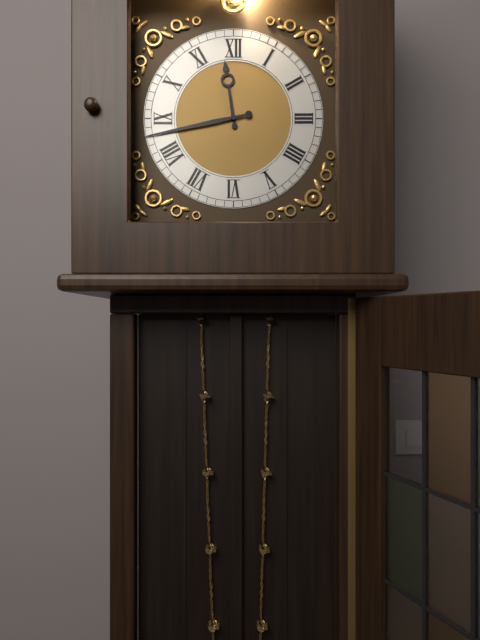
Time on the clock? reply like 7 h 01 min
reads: 11 h 43 min
